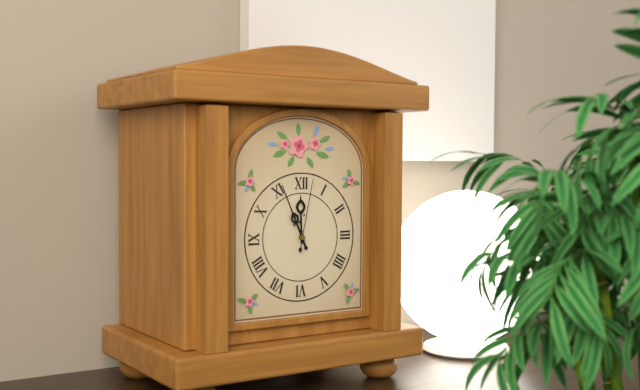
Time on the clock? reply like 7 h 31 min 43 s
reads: 11 h 56 min 02 s
